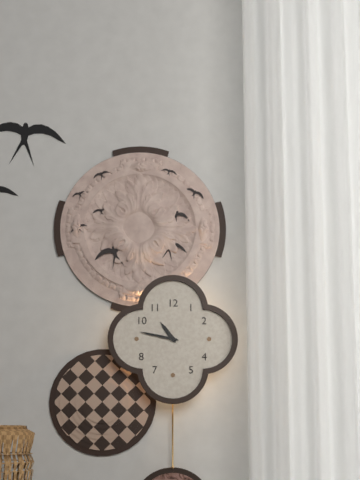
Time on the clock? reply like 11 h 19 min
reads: 10 h 47 min
